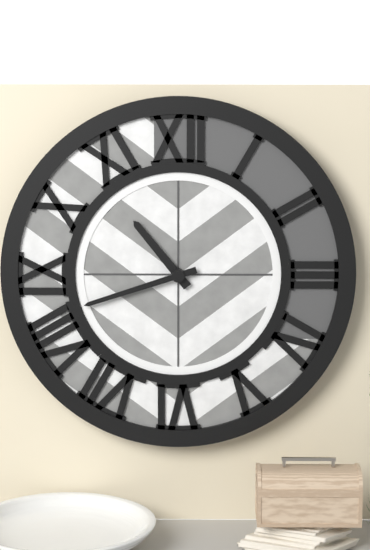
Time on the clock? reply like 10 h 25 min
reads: 10 h 42 min
